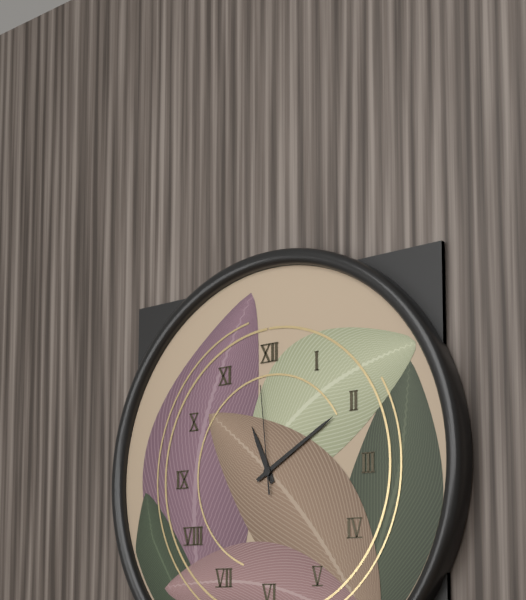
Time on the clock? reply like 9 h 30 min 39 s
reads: 11 h 10 min 59 s
